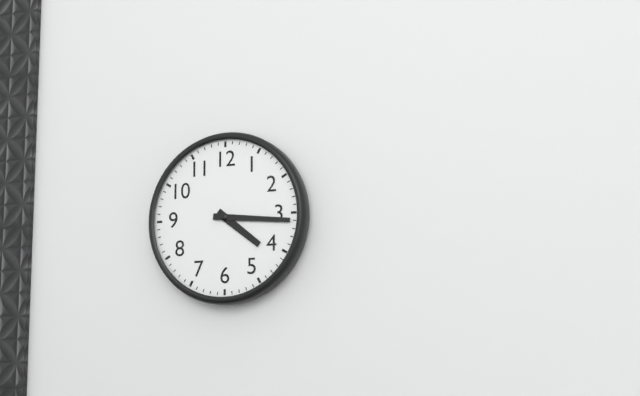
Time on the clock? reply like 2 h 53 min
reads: 4 h 16 min
